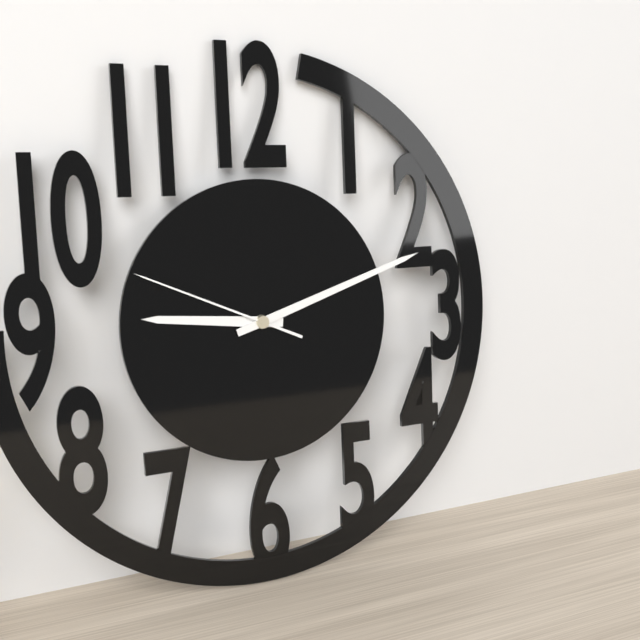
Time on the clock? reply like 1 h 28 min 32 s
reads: 9 h 12 min 49 s
